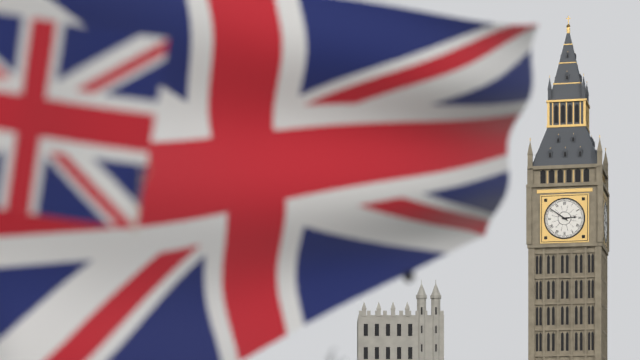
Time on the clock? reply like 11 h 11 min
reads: 2 h 51 min
